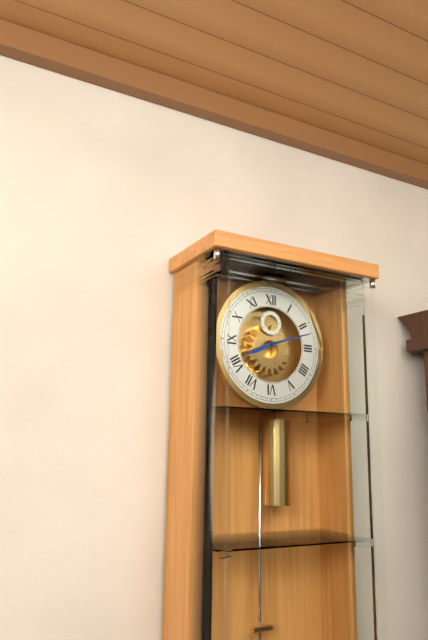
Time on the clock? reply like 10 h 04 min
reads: 8 h 12 min
